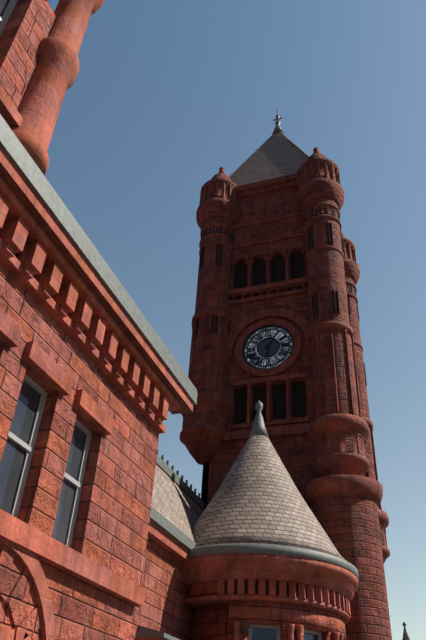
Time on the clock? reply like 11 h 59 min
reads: 6 h 06 min
